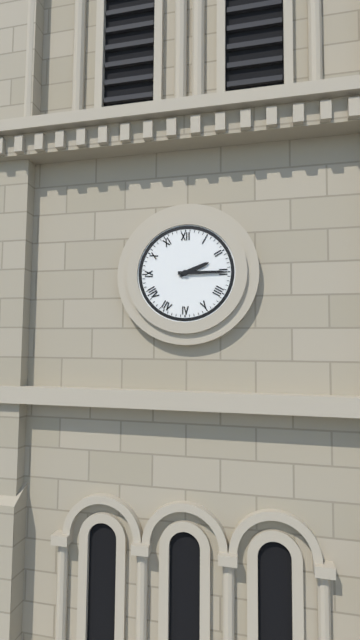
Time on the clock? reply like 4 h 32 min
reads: 2 h 15 min
